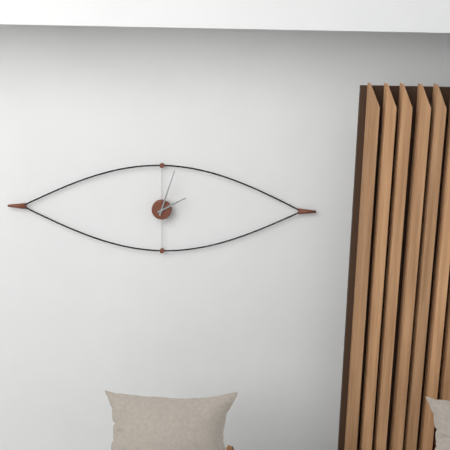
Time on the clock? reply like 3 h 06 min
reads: 2 h 03 min
